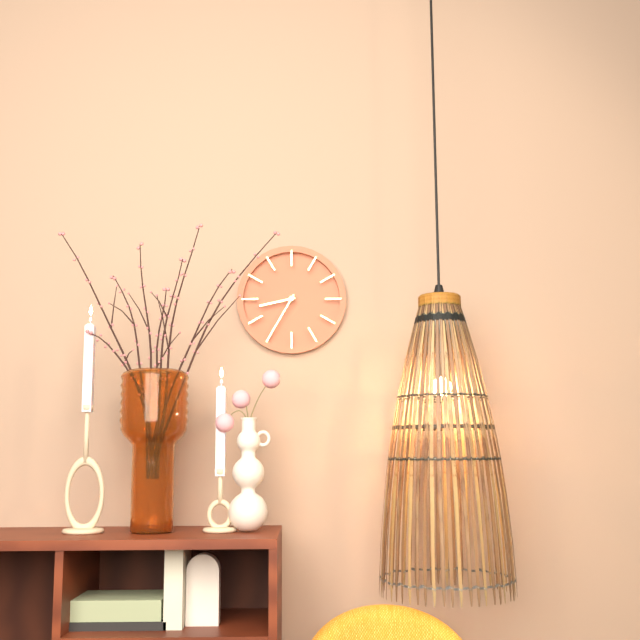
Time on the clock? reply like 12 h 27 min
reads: 8 h 35 min
